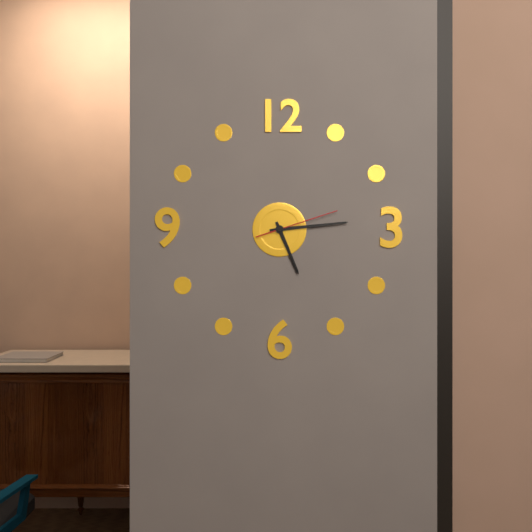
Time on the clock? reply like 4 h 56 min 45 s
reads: 5 h 14 min 12 s
